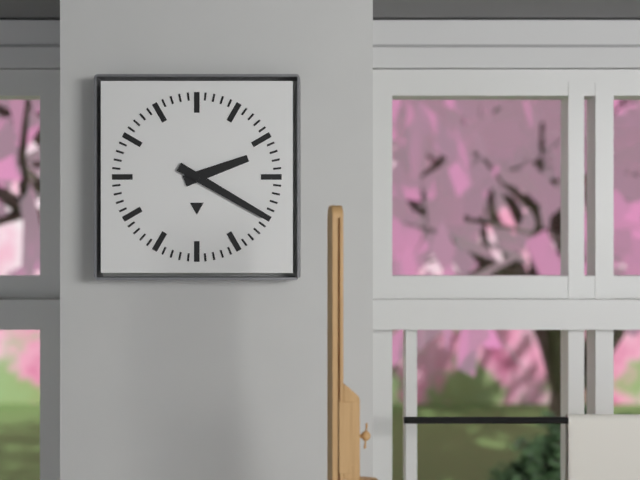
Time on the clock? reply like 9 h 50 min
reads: 2 h 20 min
